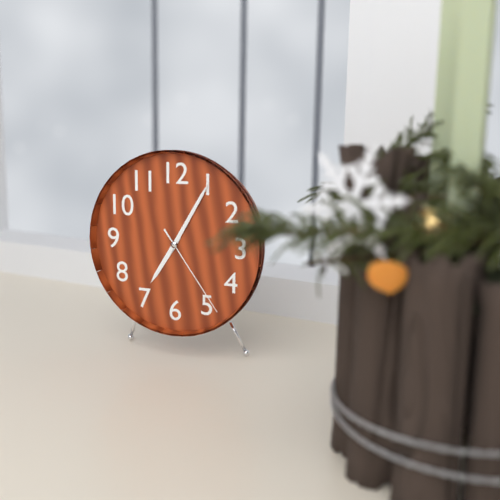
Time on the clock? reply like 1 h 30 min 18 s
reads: 7 h 05 min 24 s
